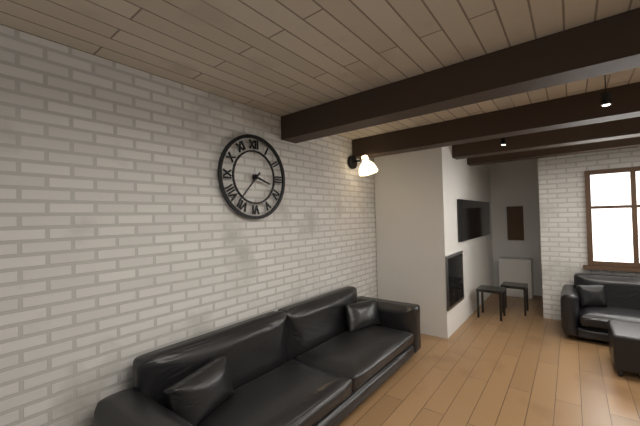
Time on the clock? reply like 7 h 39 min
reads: 3 h 37 min
